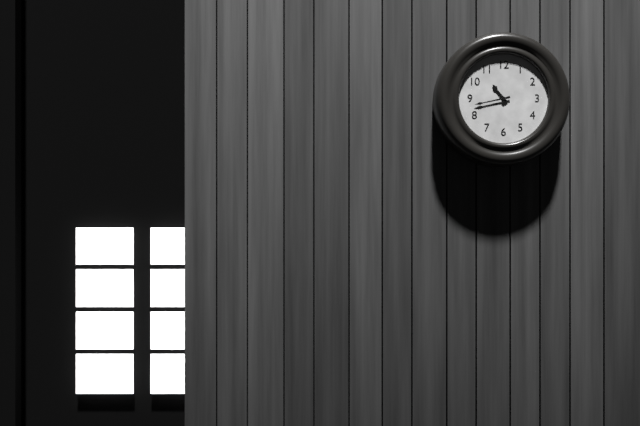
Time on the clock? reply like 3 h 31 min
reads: 10 h 43 min
